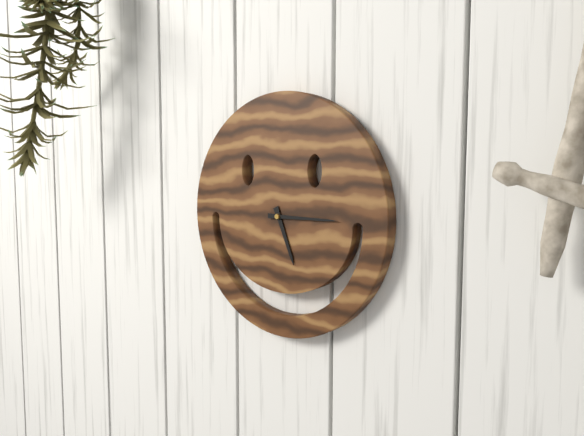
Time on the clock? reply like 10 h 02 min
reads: 5 h 15 min
